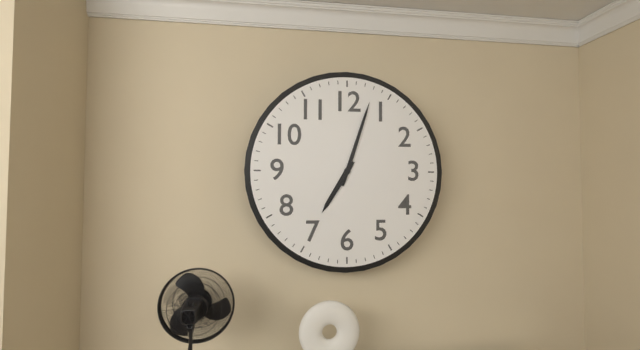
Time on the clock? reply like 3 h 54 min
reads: 7 h 03 min
